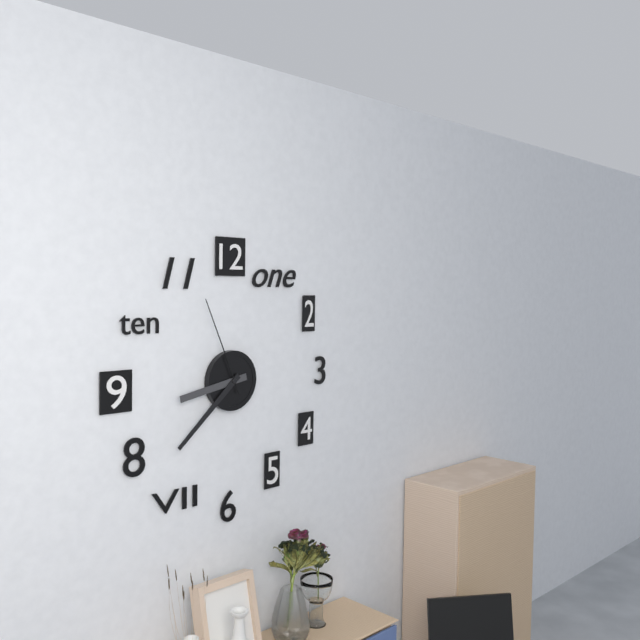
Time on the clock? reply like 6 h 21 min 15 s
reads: 8 h 38 min 56 s
